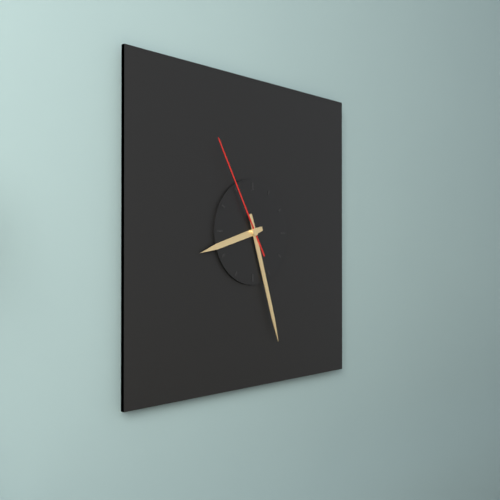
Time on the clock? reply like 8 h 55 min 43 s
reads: 8 h 27 min 55 s
